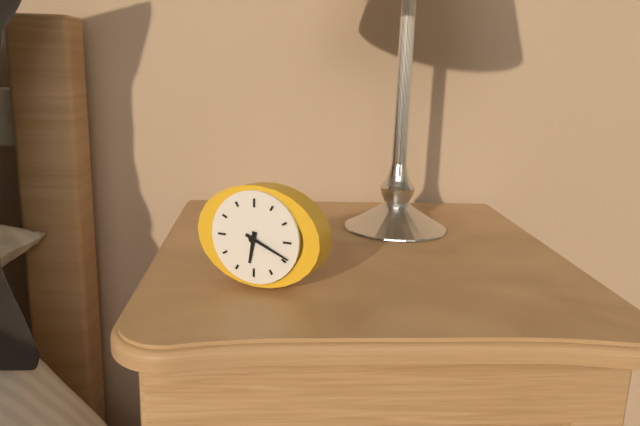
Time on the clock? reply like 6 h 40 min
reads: 6 h 19 min
